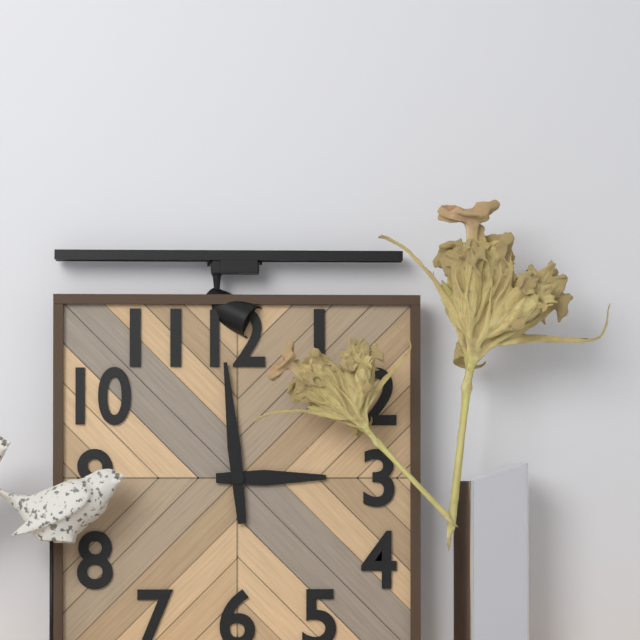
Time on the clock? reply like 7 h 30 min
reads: 2 h 59 min
